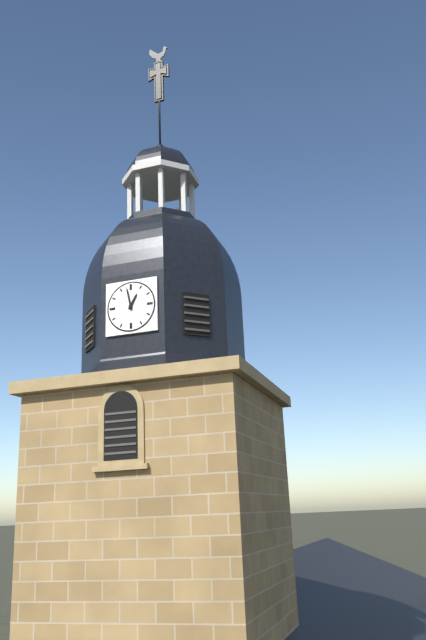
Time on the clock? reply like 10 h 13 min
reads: 12 h 58 min
